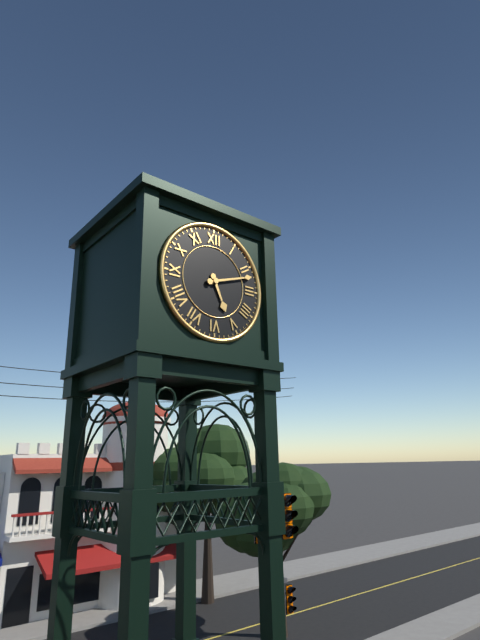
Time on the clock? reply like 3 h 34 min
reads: 5 h 12 min
